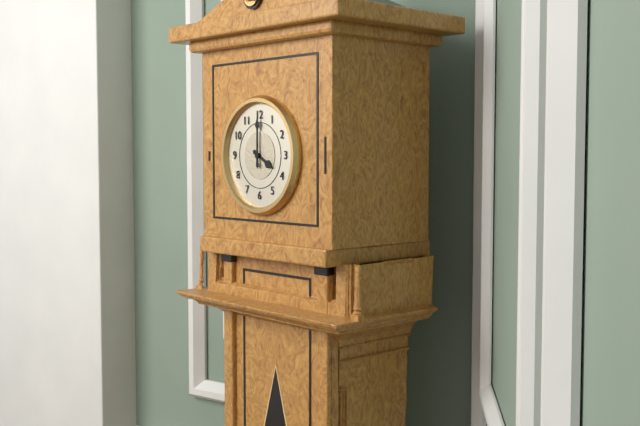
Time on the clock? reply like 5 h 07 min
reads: 4 h 00 min
